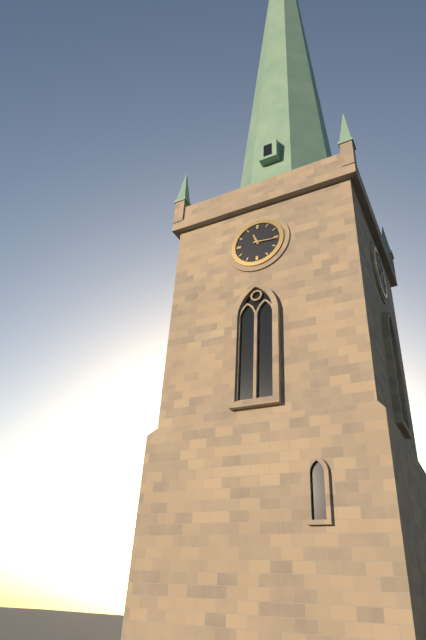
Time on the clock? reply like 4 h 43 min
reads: 11 h 16 min
